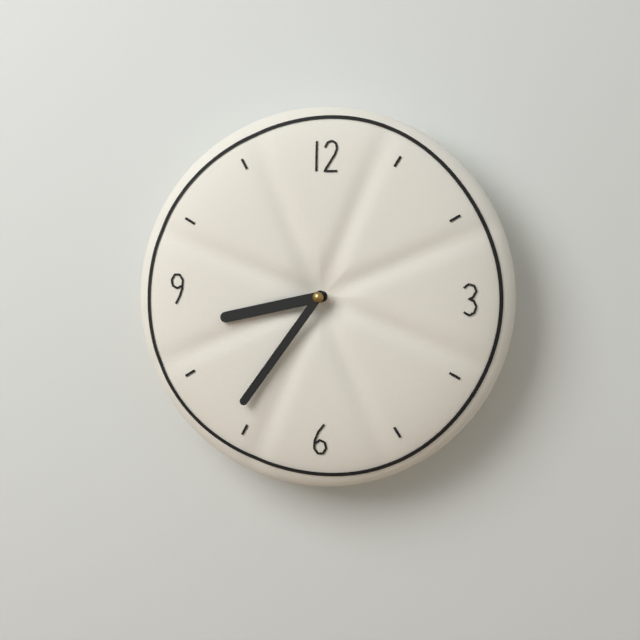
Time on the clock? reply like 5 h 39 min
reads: 8 h 36 min
